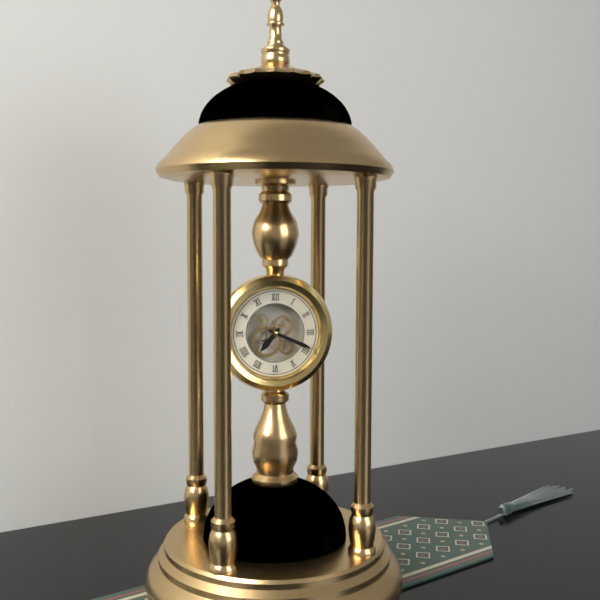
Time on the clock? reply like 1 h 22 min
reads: 7 h 19 min
